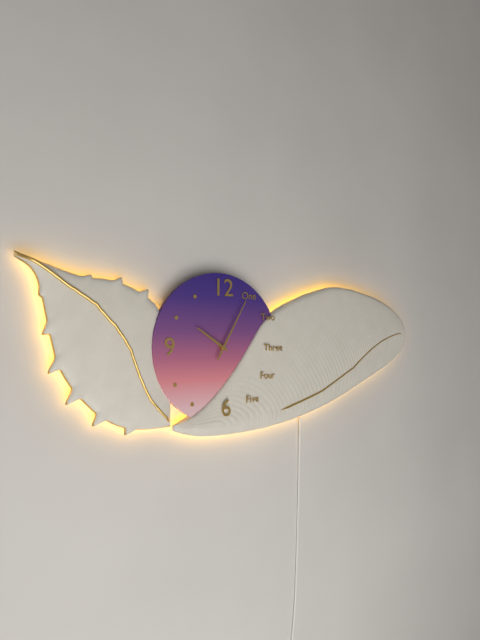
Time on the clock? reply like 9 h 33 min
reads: 10 h 05 min
